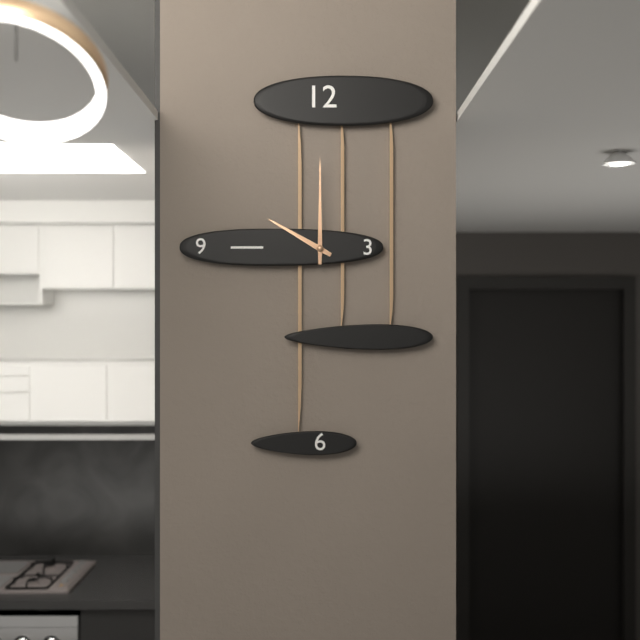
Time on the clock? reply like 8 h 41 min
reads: 10 h 00 min
